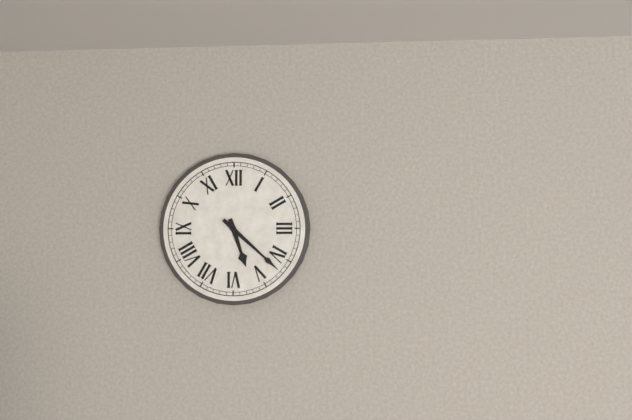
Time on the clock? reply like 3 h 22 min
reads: 5 h 22 min
